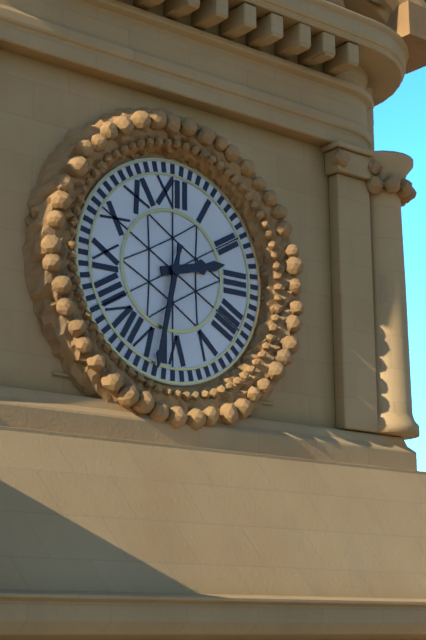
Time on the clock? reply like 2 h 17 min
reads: 2 h 32 min
